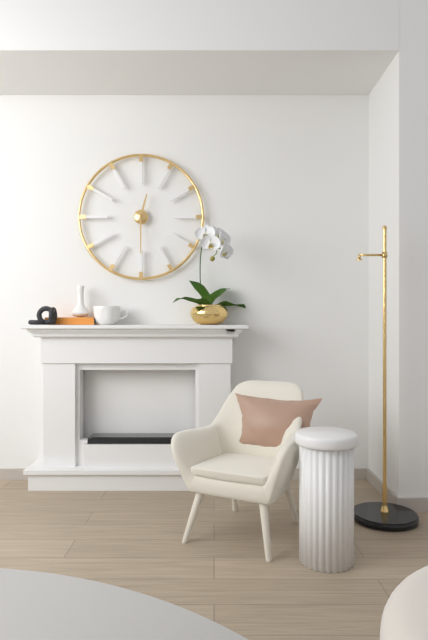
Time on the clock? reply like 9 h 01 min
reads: 12 h 30 min
